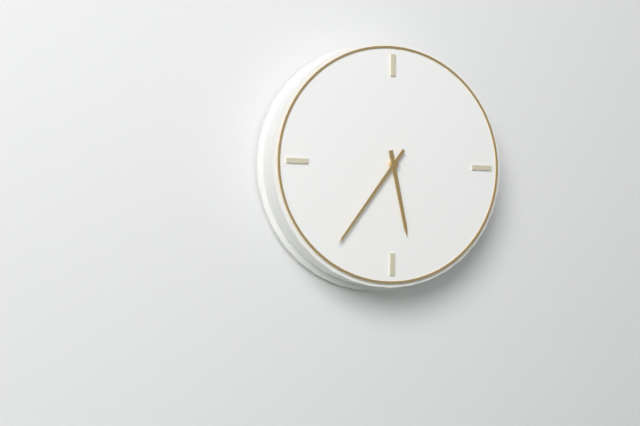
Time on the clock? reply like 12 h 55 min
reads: 5 h 36 min
